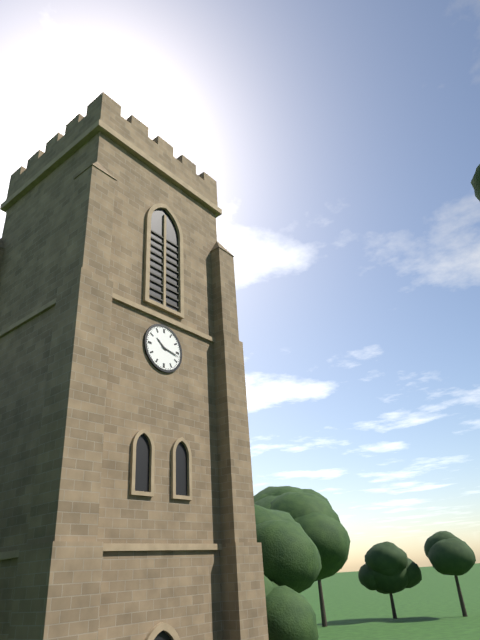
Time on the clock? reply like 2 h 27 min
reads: 10 h 17 min
